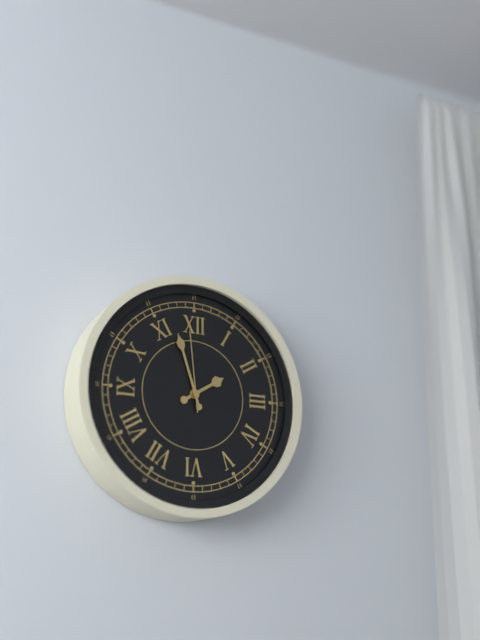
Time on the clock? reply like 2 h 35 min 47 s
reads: 1 h 57 min 59 s
